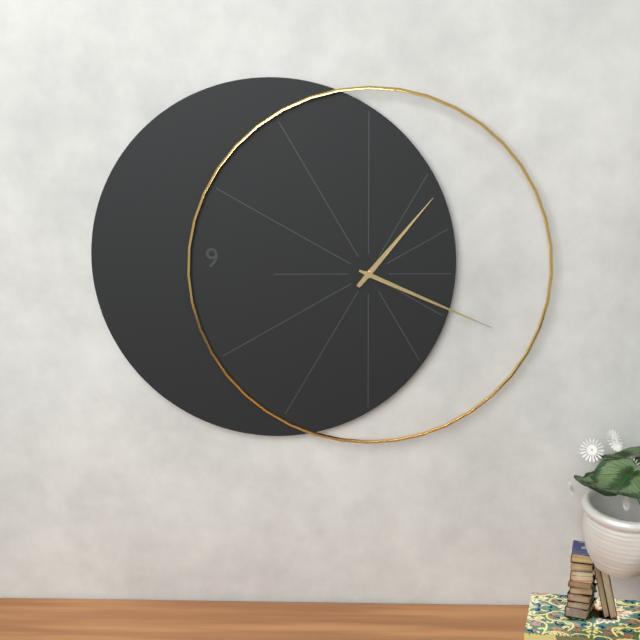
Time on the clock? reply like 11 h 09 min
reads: 1 h 19 min
